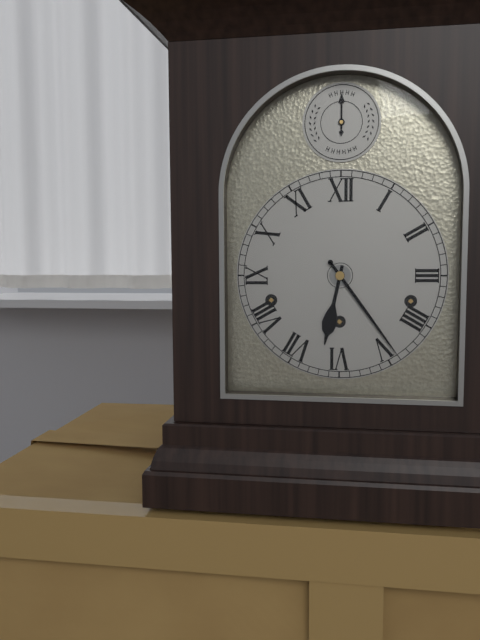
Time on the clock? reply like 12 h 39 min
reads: 6 h 24 min
